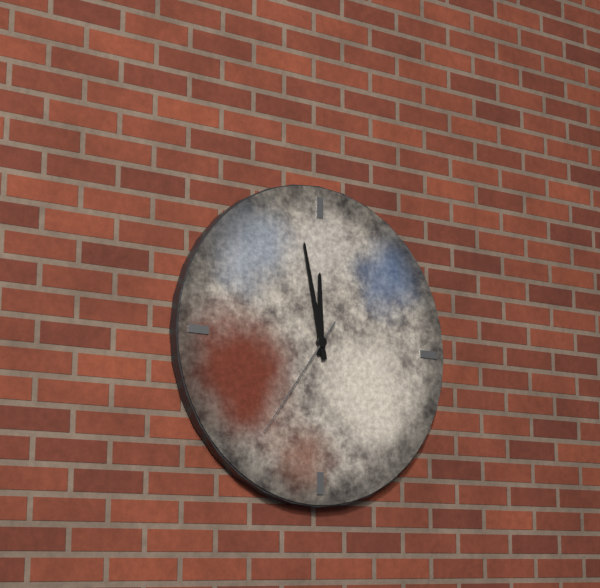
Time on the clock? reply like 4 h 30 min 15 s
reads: 11 h 58 min 36 s
